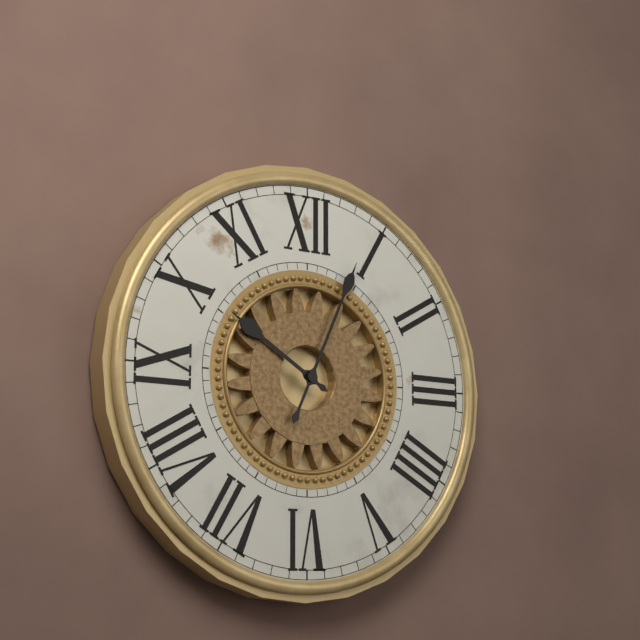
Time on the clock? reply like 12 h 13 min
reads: 10 h 04 min
